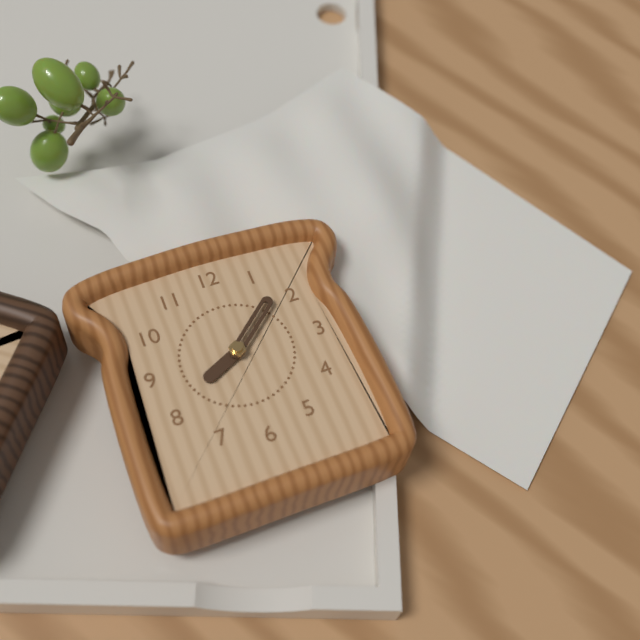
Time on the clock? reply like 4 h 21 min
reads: 8 h 08 min
